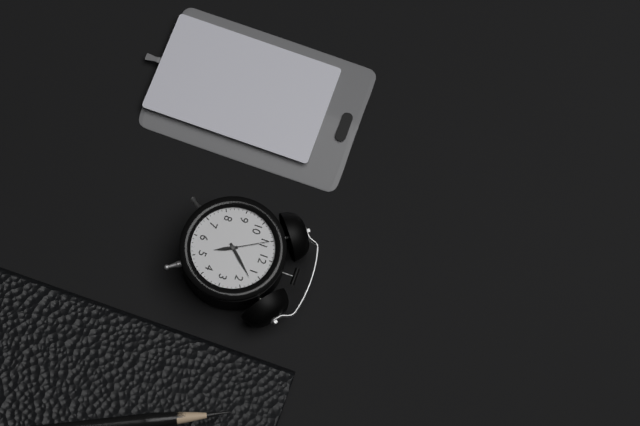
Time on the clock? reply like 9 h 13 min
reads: 5 h 07 min
